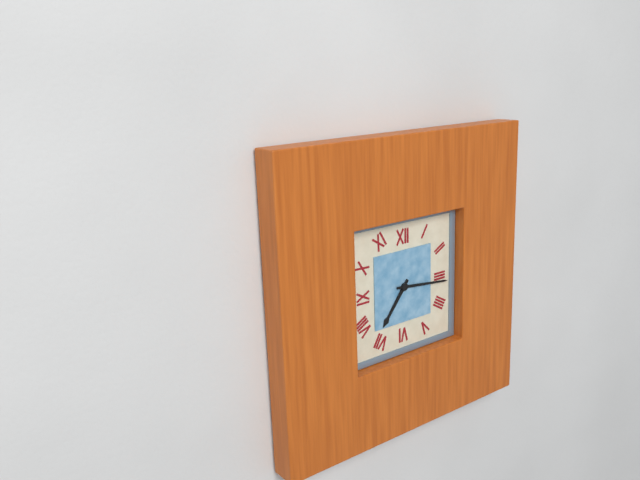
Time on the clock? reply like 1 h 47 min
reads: 7 h 16 min
